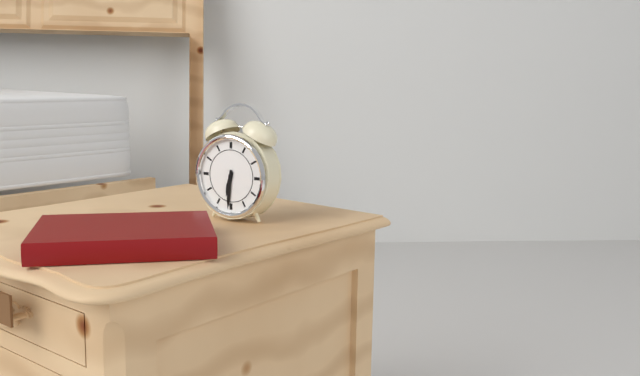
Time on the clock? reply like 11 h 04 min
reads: 6 h 31 min
